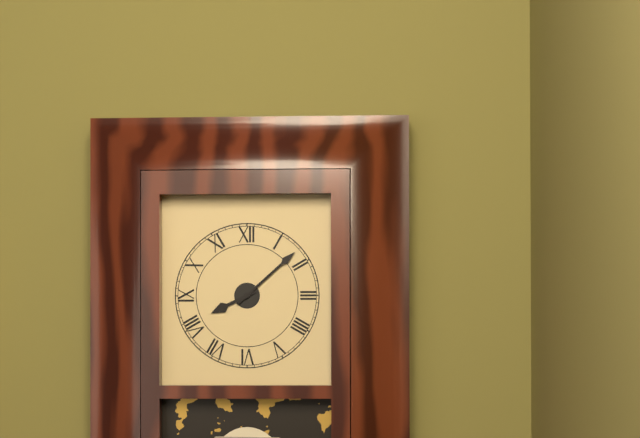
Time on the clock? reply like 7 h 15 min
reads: 8 h 08 min
